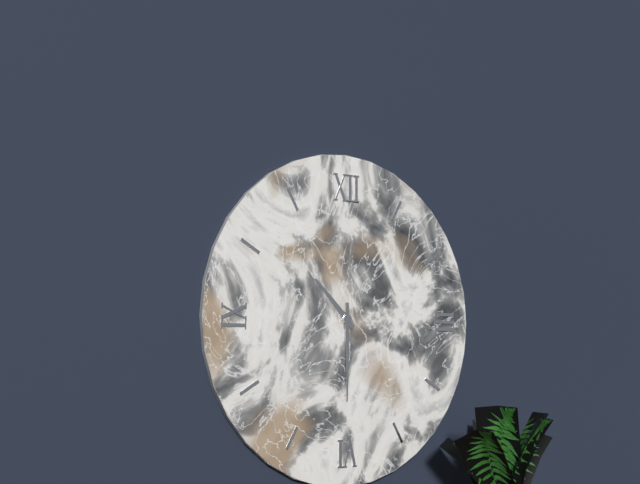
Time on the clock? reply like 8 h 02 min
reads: 10 h 30 min
